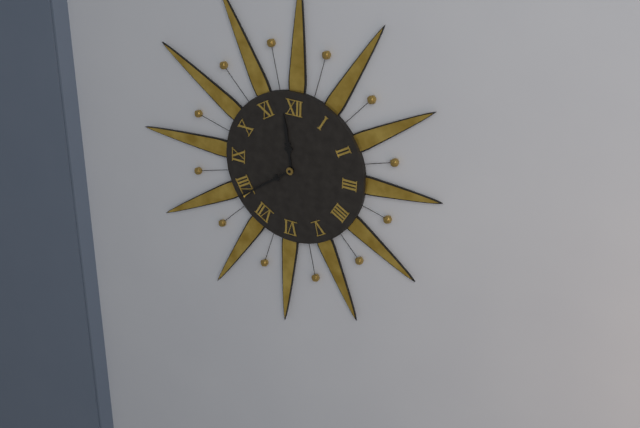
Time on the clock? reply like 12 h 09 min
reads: 11 h 39 min
